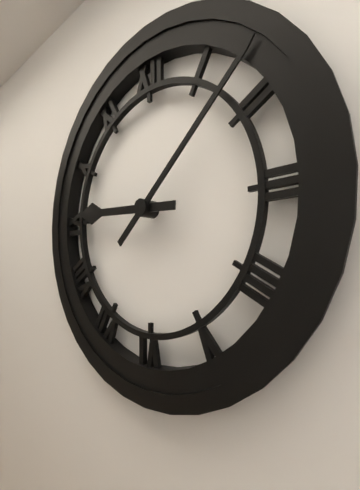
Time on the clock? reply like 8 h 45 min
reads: 9 h 08 min
